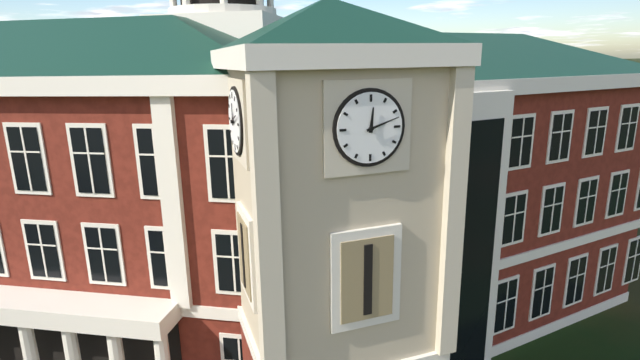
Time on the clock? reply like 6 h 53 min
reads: 12 h 12 min
